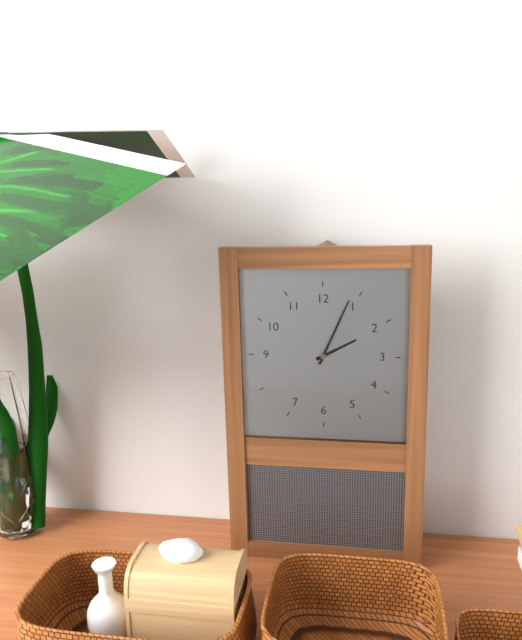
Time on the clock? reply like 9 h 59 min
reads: 2 h 04 min
